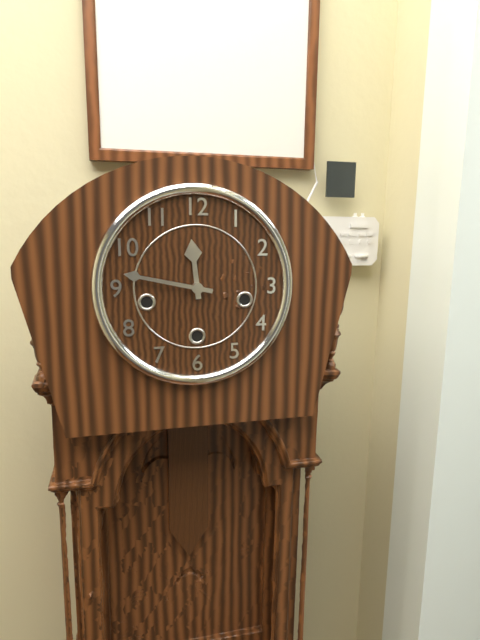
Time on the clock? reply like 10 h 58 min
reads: 11 h 47 min
